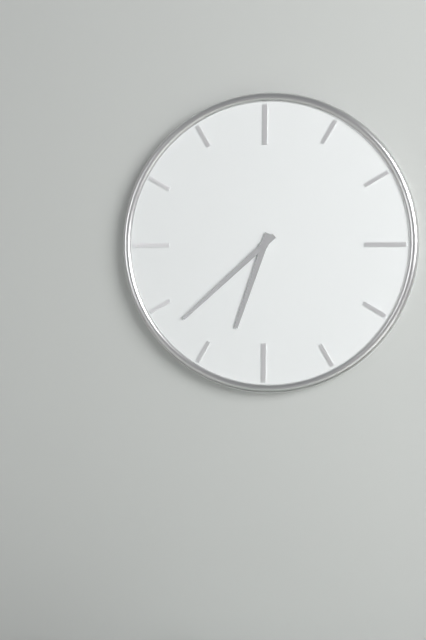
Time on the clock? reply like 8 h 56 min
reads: 6 h 38 min
